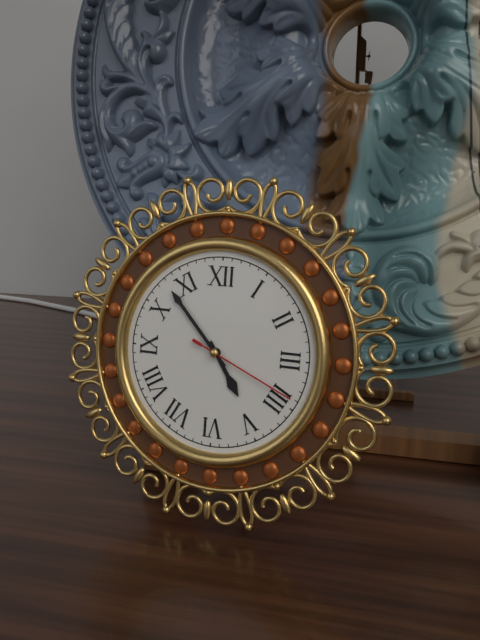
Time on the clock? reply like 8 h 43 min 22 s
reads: 4 h 53 min 19 s
